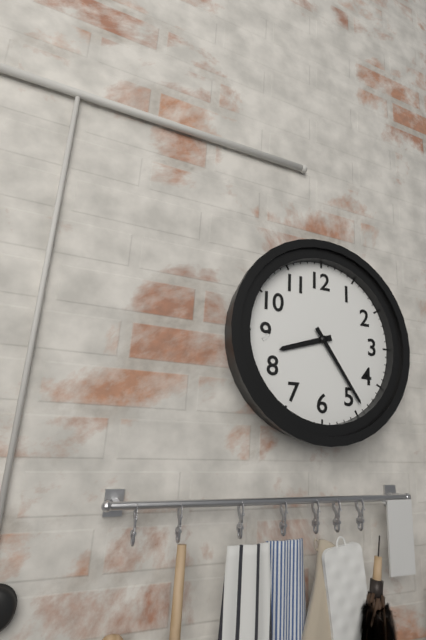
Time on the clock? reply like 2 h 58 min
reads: 8 h 24 min
